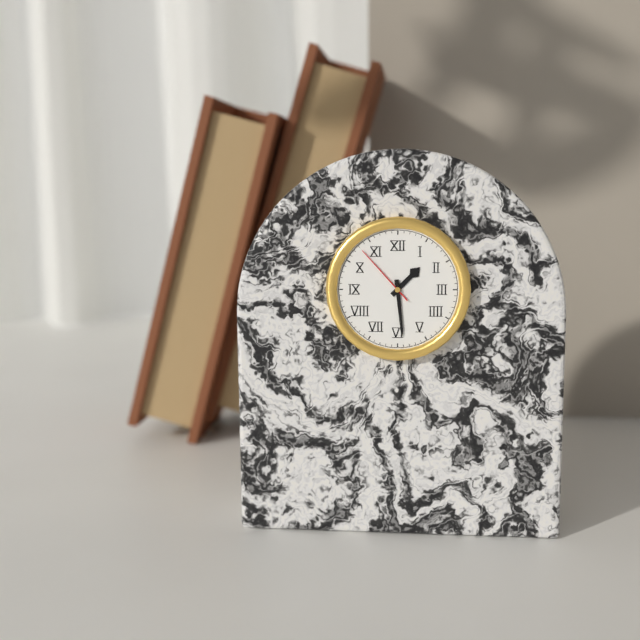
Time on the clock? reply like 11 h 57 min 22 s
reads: 1 h 29 min 53 s
